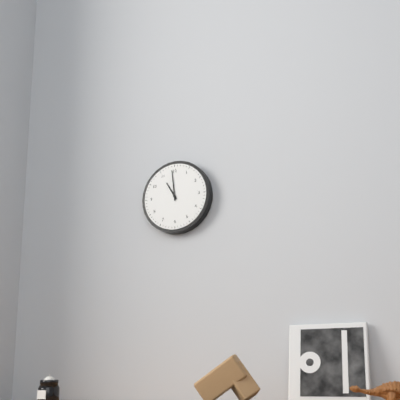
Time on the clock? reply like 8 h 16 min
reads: 10 h 59 min
